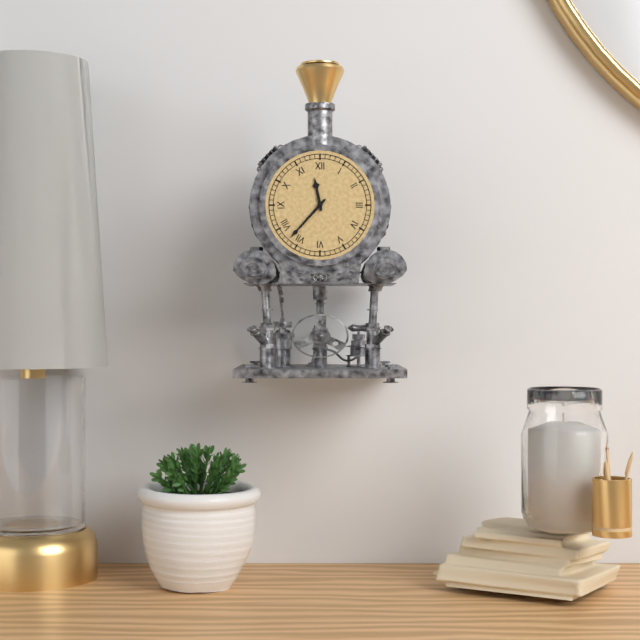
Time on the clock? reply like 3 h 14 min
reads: 11 h 37 min
